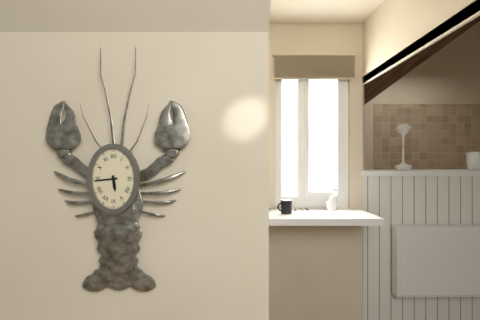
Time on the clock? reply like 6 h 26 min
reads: 5 h 44 min
